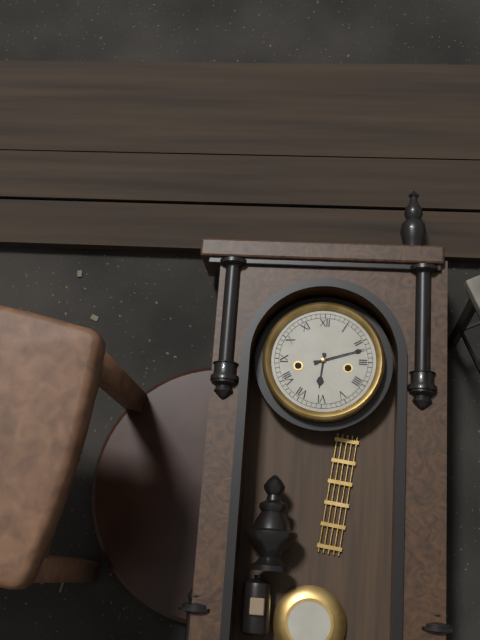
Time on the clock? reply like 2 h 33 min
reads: 6 h 12 min
